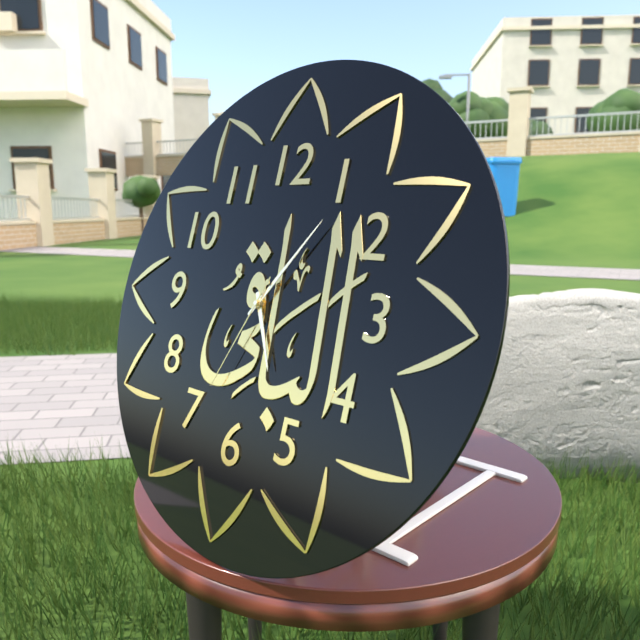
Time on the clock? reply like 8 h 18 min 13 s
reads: 5 h 06 min 34 s
